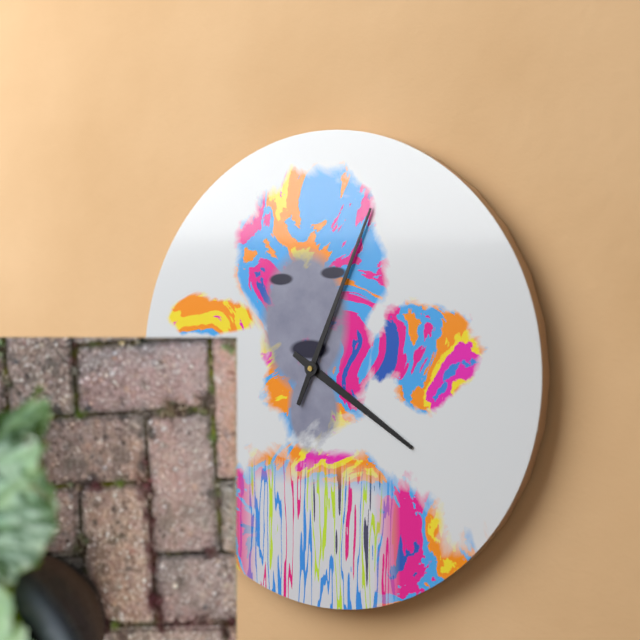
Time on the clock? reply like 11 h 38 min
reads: 4 h 04 min
